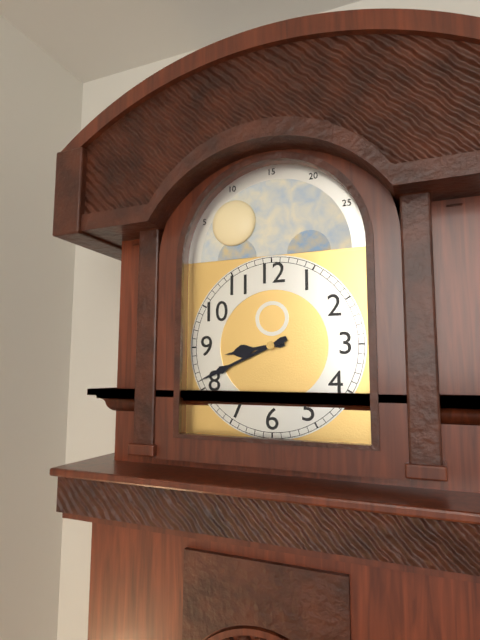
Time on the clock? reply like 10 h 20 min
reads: 8 h 41 min
